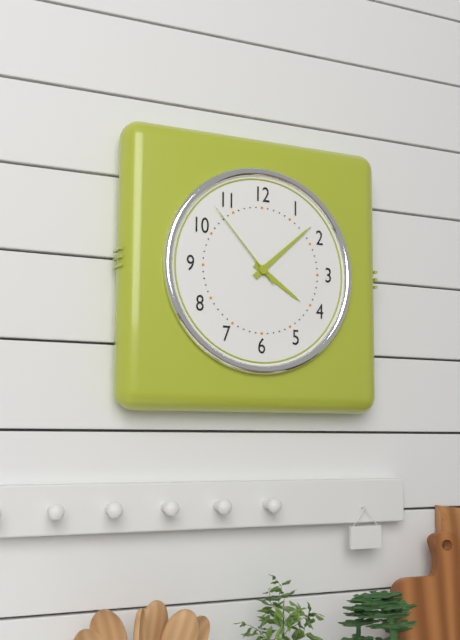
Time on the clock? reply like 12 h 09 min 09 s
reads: 4 h 08 min 53 s
